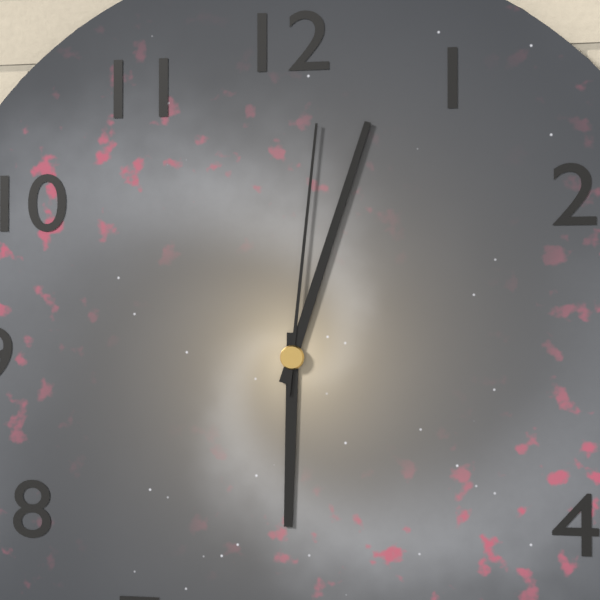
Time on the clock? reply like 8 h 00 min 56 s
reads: 6 h 03 min 01 s
